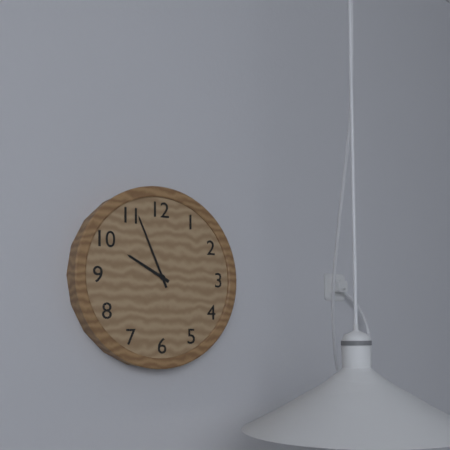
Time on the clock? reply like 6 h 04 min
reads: 9 h 56 min
